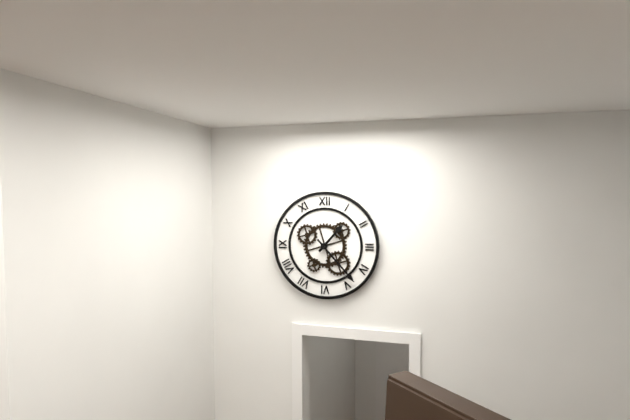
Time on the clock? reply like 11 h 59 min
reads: 1 h 23 min
